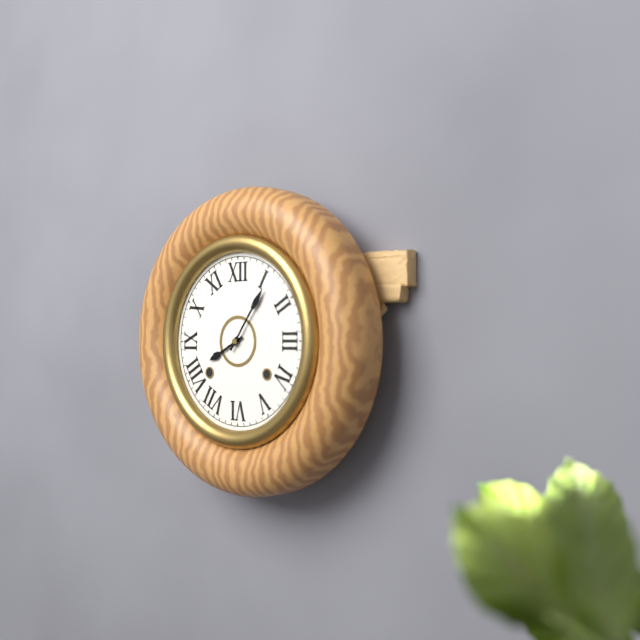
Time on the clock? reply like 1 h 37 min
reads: 8 h 06 min
